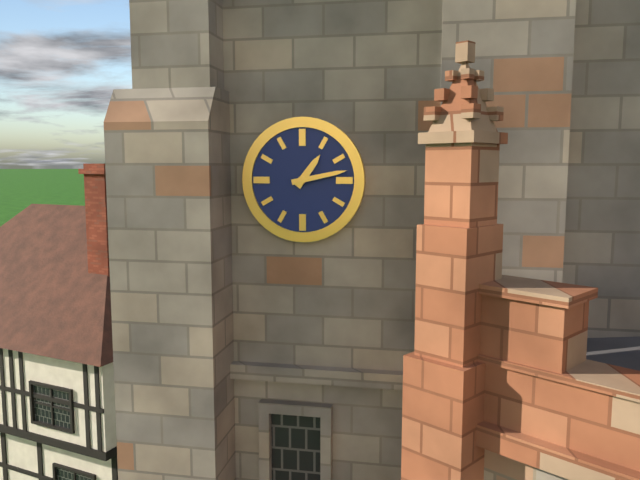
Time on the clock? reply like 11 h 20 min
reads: 1 h 13 min
